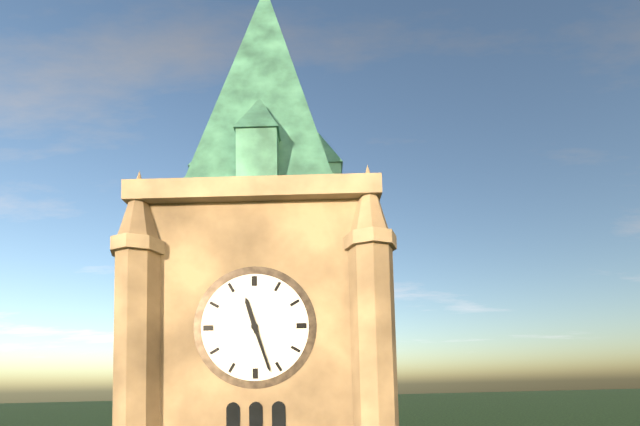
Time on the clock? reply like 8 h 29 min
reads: 11 h 27 min
